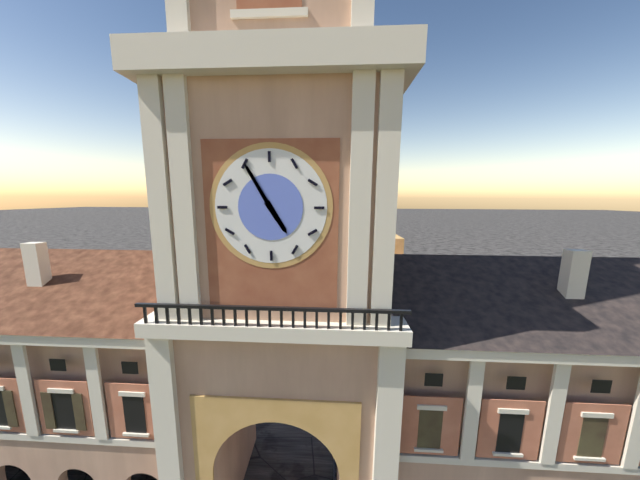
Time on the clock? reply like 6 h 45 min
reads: 4 h 55 min
